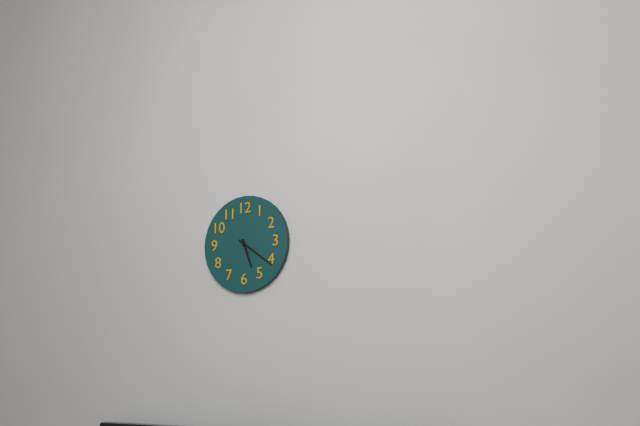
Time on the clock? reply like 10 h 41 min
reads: 5 h 21 min
